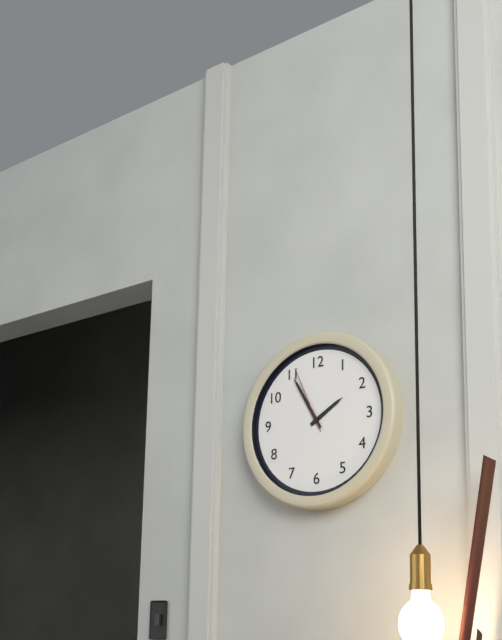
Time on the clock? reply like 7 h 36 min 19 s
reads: 1 h 55 min 56 s
